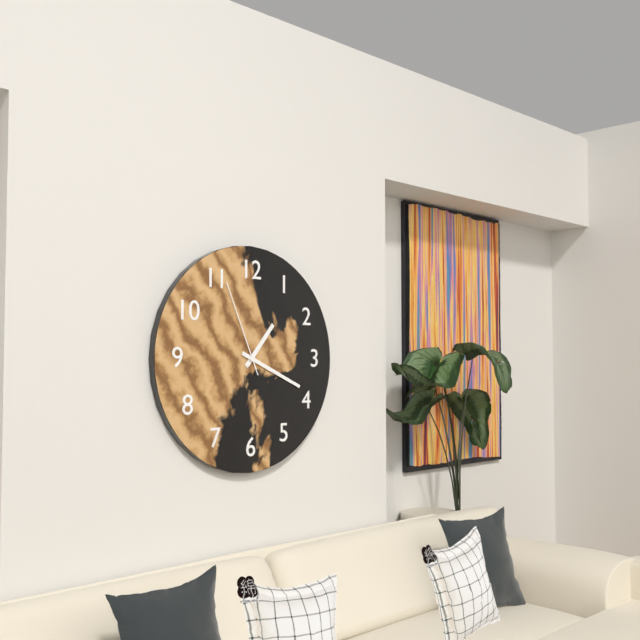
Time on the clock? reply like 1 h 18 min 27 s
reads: 1 h 19 min 56 s
